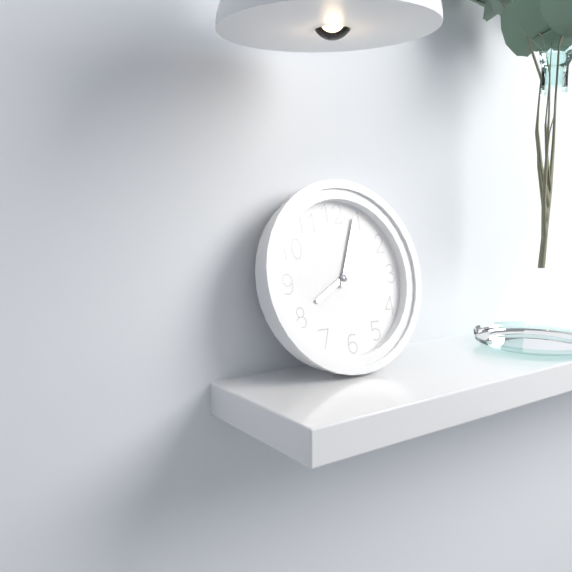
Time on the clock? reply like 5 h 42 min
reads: 8 h 04 min
